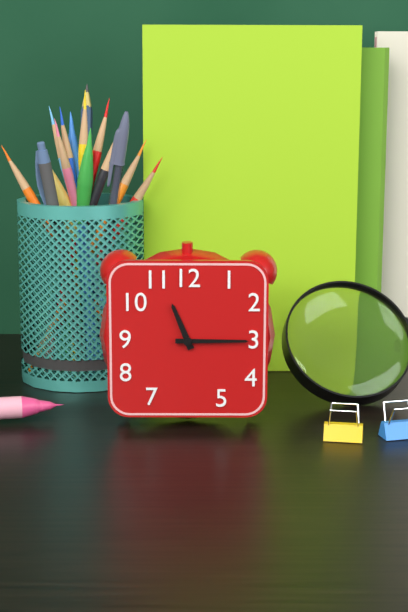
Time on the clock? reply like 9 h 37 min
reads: 11 h 15 min
